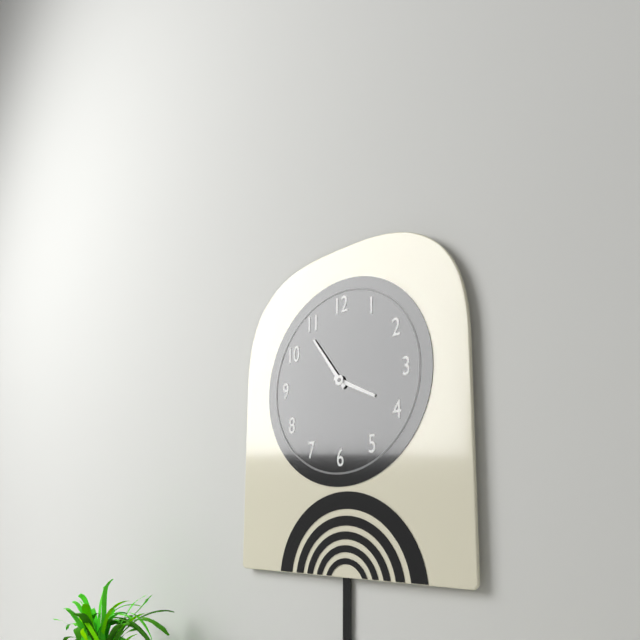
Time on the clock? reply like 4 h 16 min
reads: 3 h 54 min
